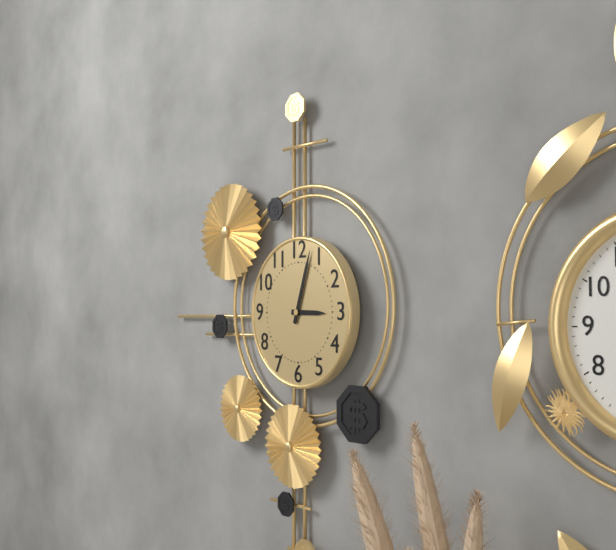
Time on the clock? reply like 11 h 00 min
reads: 3 h 03 min
